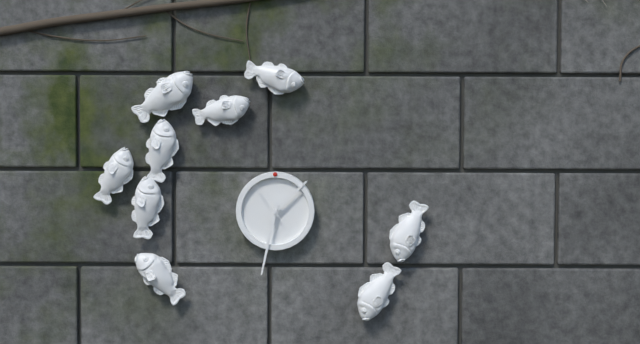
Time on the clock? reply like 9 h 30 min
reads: 1 h 32 min
